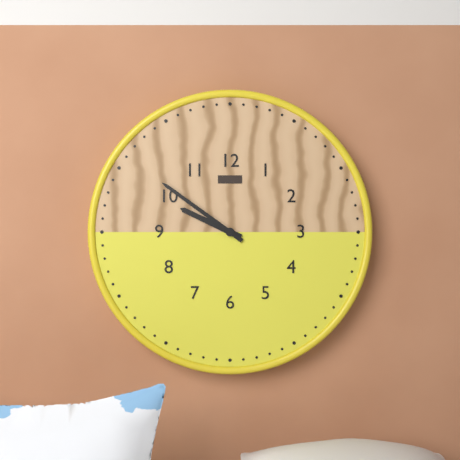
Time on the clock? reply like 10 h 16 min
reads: 9 h 51 min
